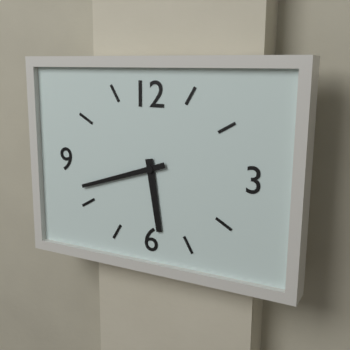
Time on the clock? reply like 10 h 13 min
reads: 5 h 42 min
